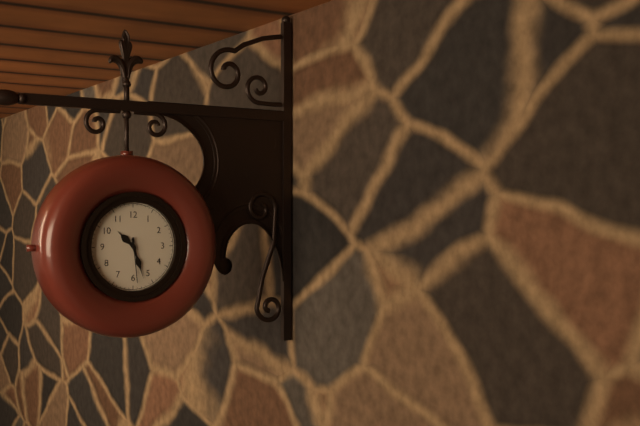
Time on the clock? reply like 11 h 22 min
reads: 10 h 27 min
